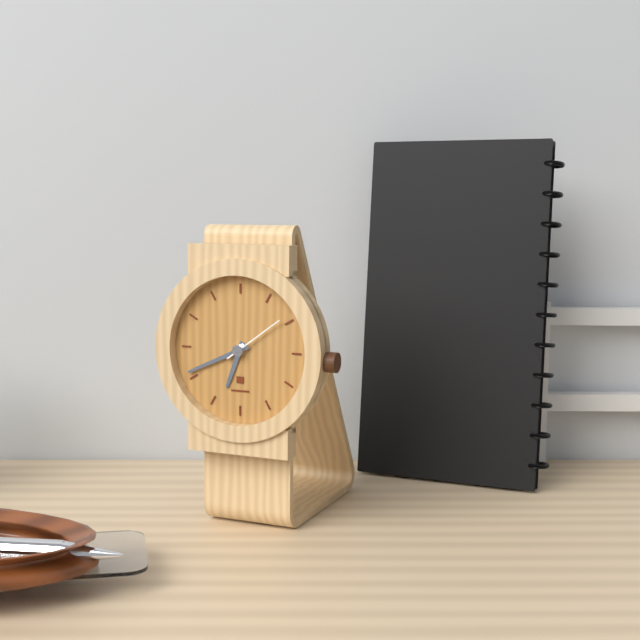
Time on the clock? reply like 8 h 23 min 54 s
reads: 6 h 41 min 09 s
